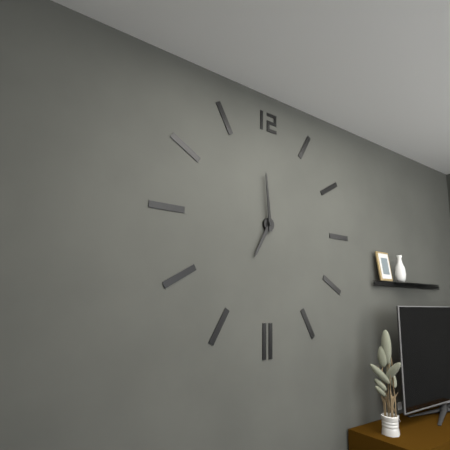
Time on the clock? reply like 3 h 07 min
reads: 6 h 59 min
